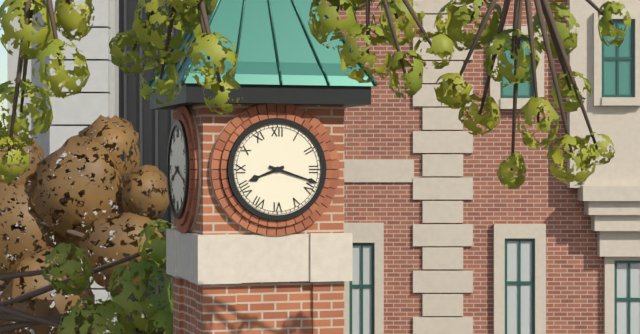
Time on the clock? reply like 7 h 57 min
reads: 8 h 18 min
